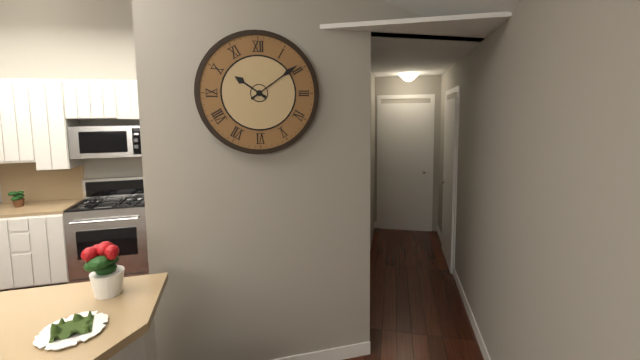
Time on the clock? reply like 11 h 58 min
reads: 10 h 09 min
